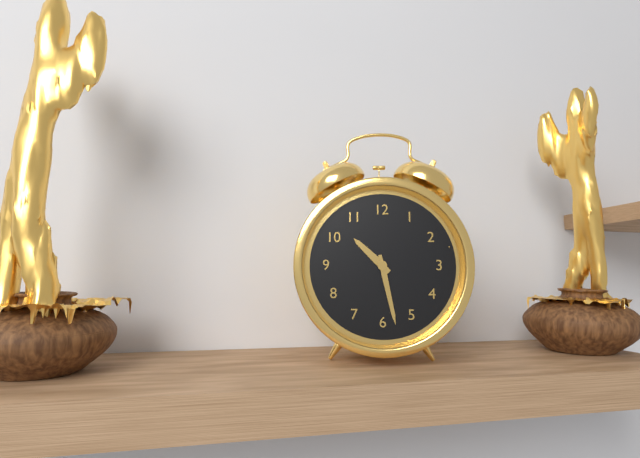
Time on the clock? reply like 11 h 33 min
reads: 10 h 28 min
